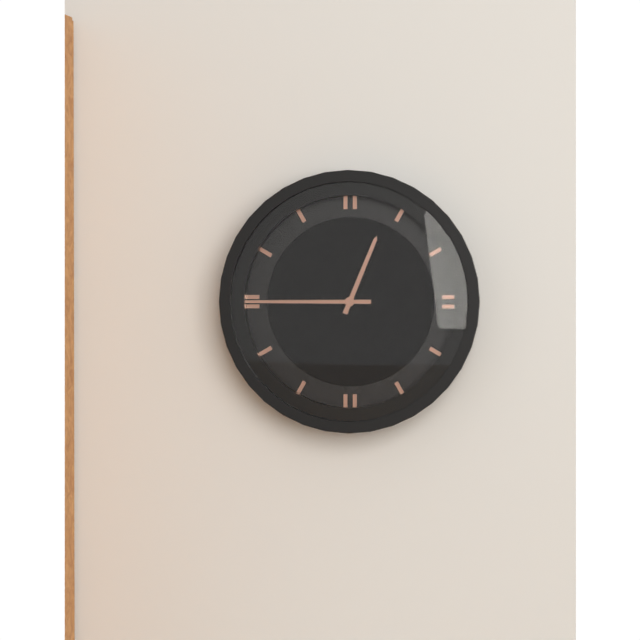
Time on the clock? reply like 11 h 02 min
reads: 12 h 45 min
